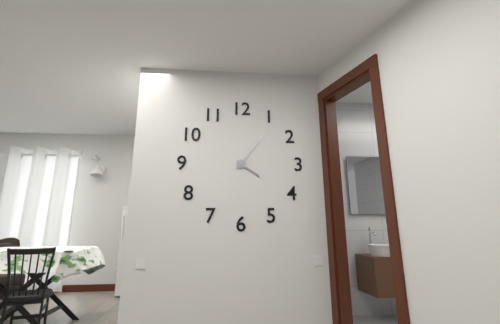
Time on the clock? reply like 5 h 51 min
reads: 4 h 06 min
